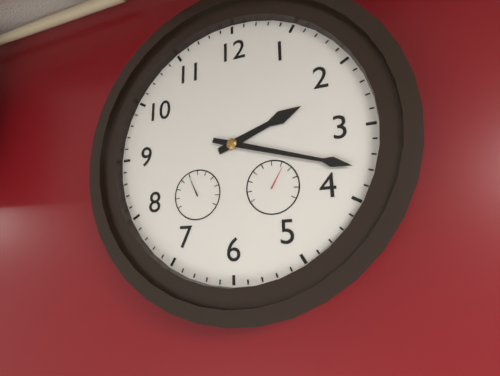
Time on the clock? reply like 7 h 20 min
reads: 2 h 18 min
